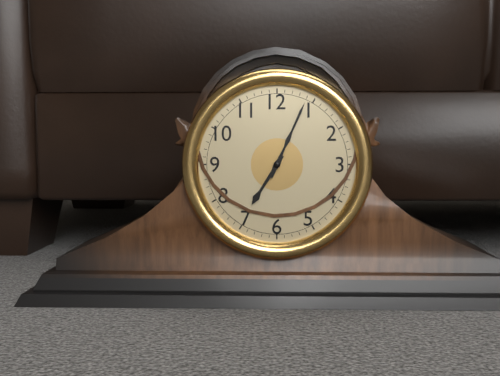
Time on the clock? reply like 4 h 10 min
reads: 7 h 04 min
